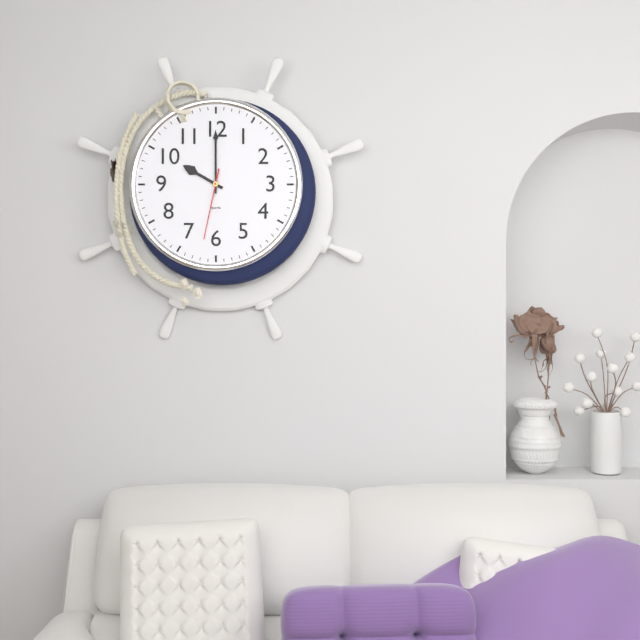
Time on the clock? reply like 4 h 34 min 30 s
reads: 10 h 00 min 32 s
